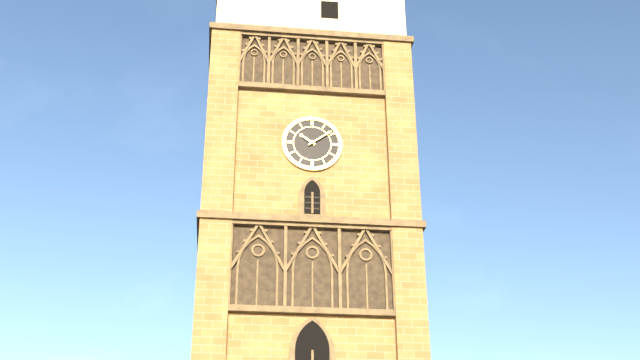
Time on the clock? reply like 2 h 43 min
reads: 10 h 09 min
